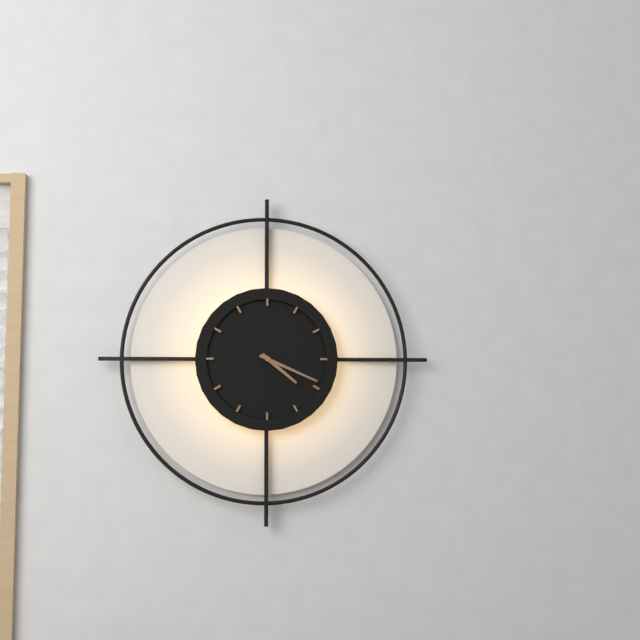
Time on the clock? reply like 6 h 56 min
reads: 4 h 19 min
